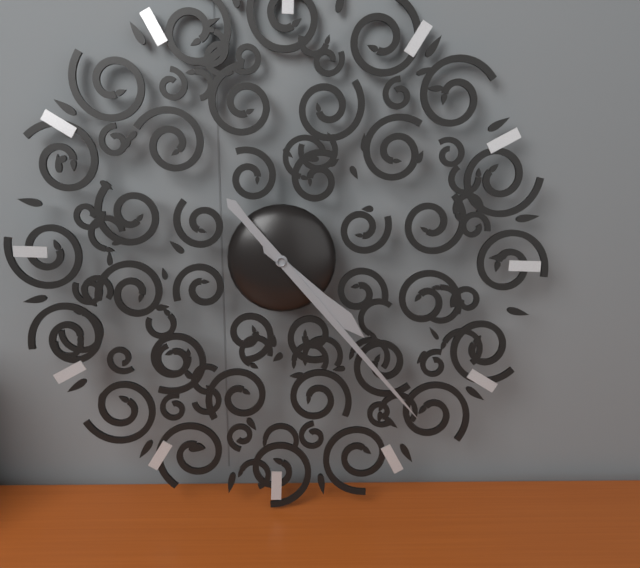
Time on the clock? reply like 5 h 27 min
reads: 4 h 23 min
